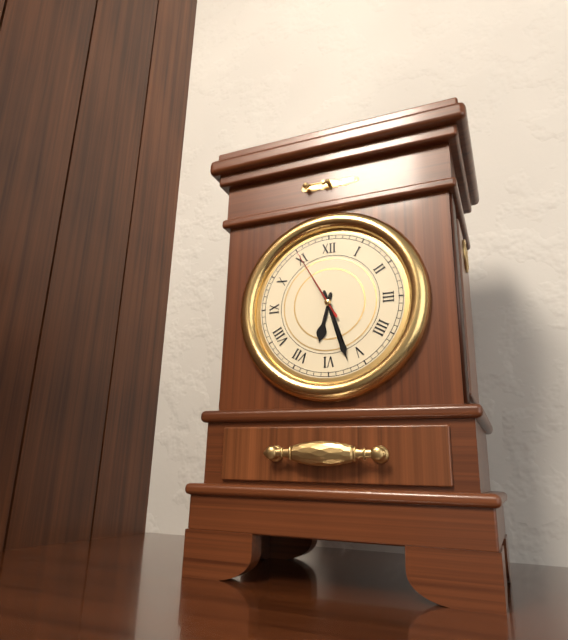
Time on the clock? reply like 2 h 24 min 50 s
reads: 6 h 27 min 55 s
